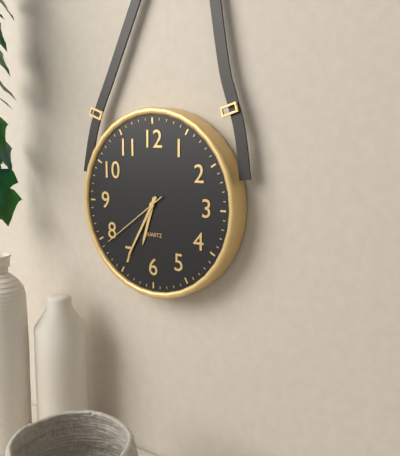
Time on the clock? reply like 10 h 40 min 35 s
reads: 6 h 35 min 39 s
